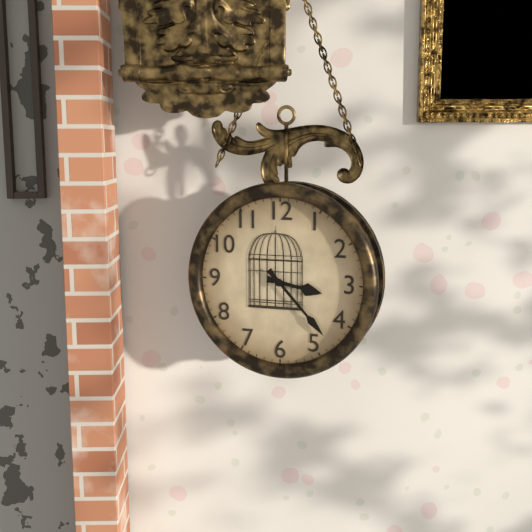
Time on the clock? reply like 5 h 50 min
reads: 3 h 23 min
